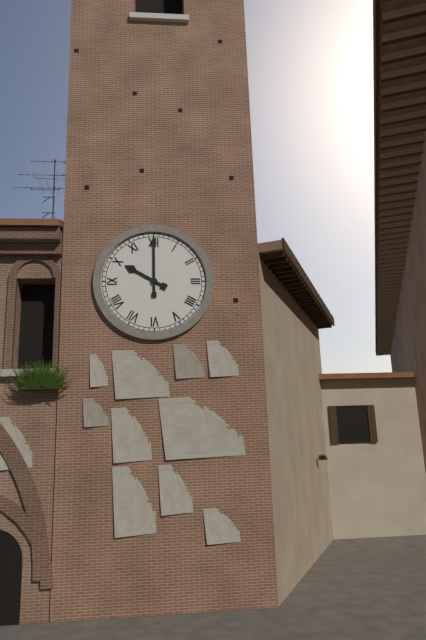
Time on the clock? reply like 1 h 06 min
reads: 10 h 00 min
